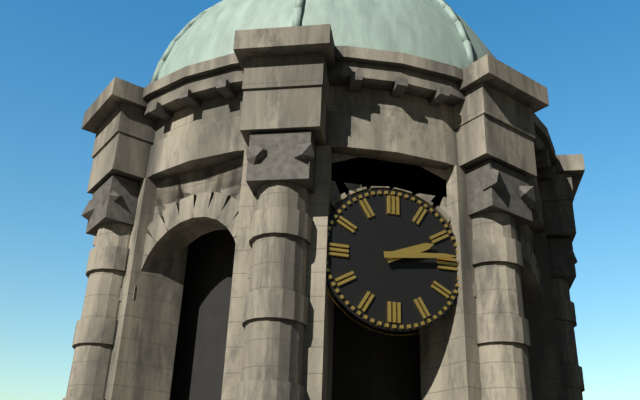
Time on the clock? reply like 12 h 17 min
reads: 2 h 14 min
